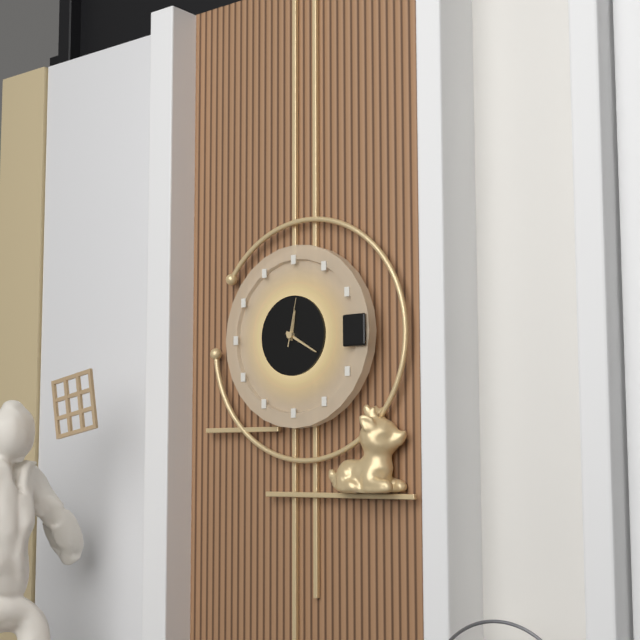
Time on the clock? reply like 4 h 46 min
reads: 12 h 20 min
